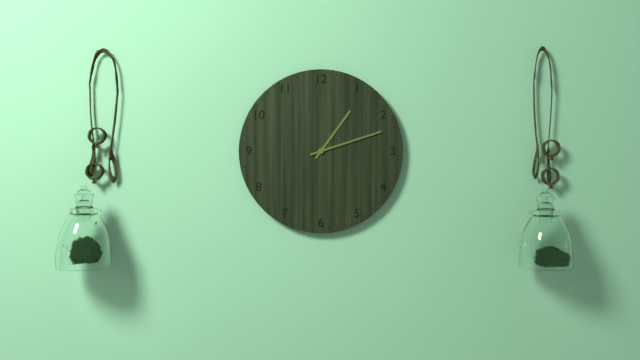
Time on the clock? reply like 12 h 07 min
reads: 1 h 12 min
